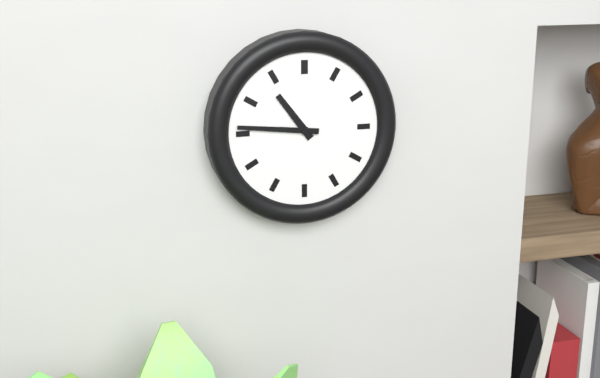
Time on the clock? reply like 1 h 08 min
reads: 10 h 46 min
